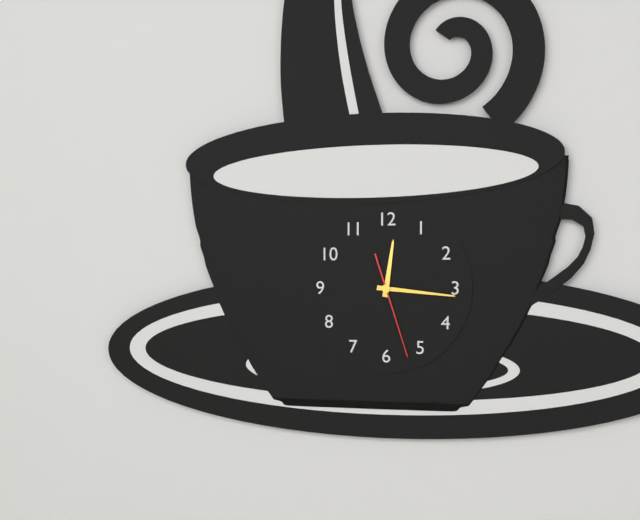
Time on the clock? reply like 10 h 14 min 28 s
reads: 12 h 16 min 27 s
